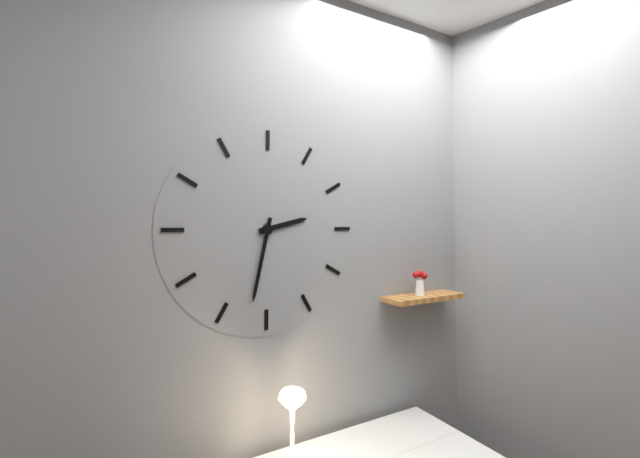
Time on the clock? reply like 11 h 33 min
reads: 2 h 32 min
